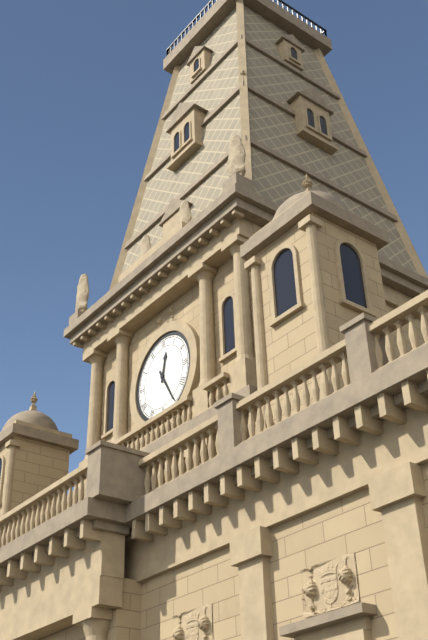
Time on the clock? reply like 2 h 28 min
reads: 12 h 25 min
